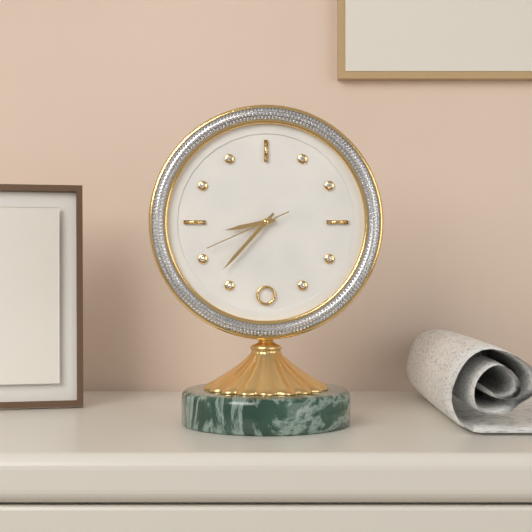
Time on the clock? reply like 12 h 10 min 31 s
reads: 8 h 37 min 41 s
